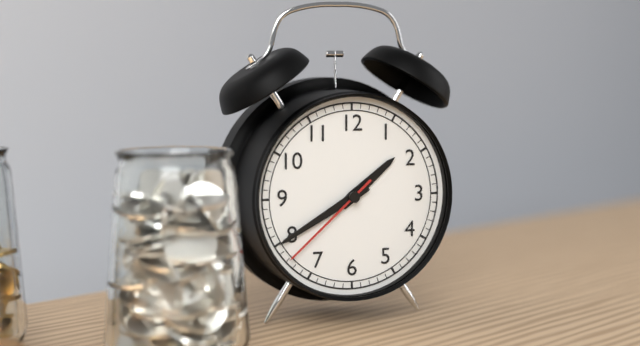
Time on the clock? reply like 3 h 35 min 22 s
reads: 1 h 40 min 38 s
